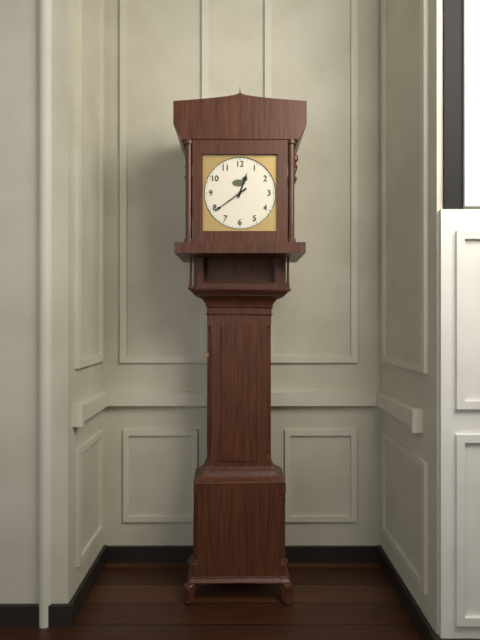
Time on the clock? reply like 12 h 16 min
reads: 12 h 39 min
